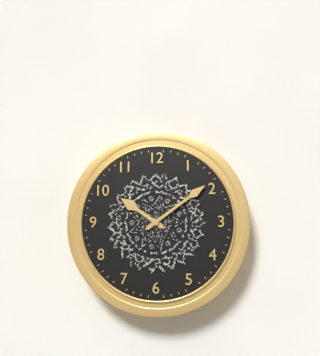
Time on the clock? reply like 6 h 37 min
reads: 10 h 09 min
